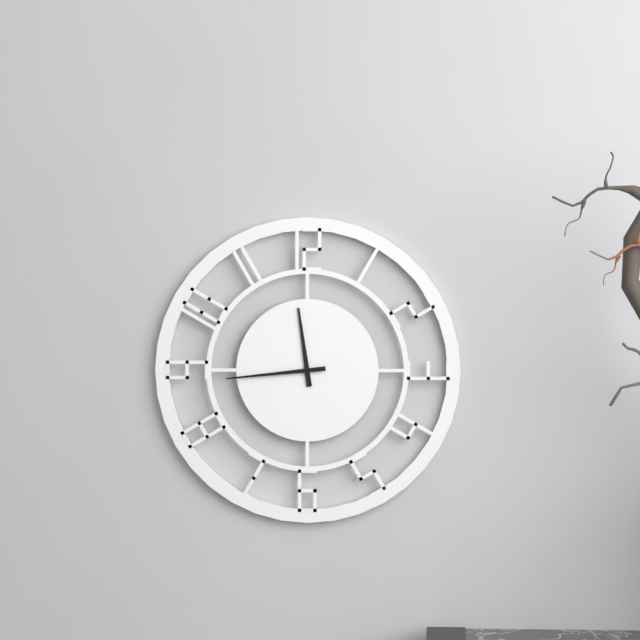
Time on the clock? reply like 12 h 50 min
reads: 11 h 44 min
